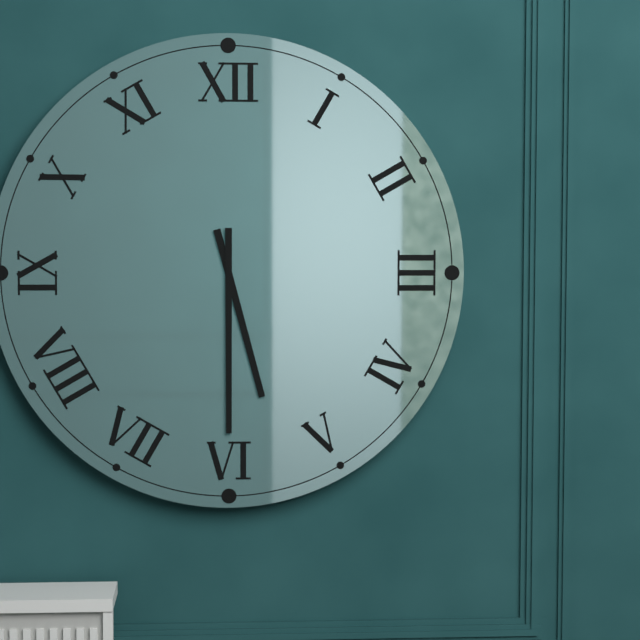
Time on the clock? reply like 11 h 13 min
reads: 5 h 30 min
